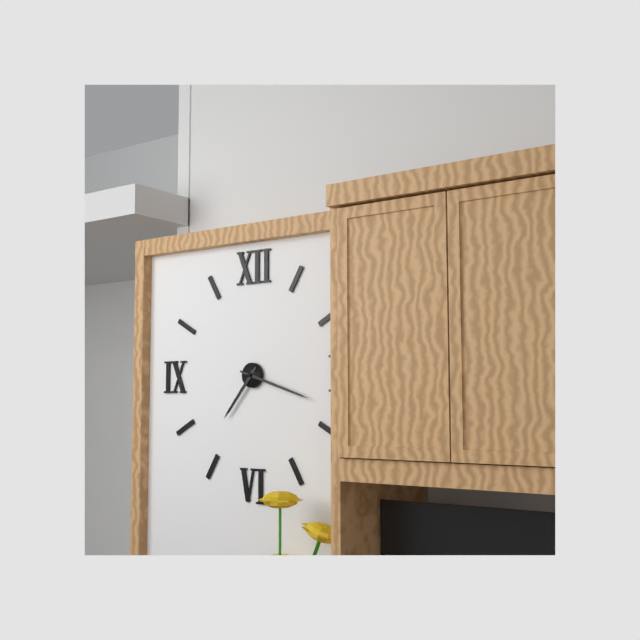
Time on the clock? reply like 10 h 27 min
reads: 7 h 18 min
